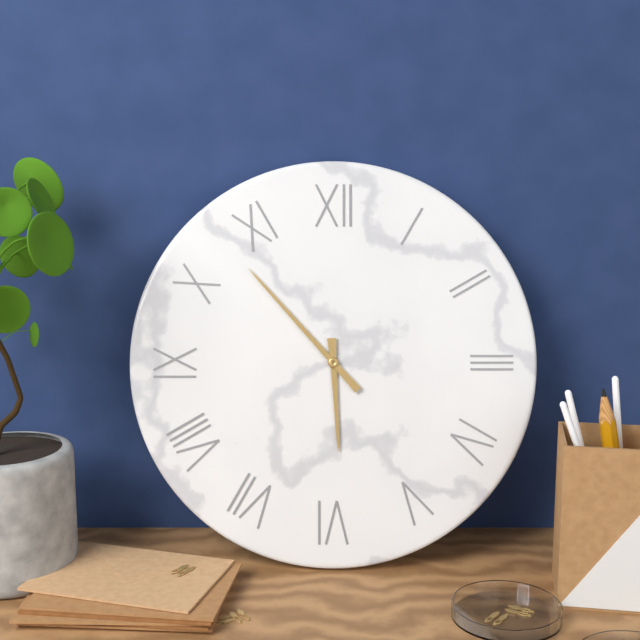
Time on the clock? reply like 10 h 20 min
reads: 5 h 53 min
